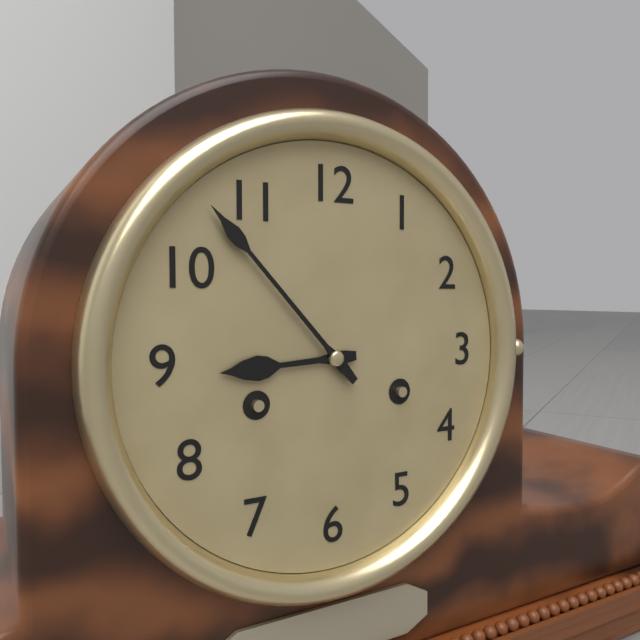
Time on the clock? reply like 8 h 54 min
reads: 8 h 53 min
